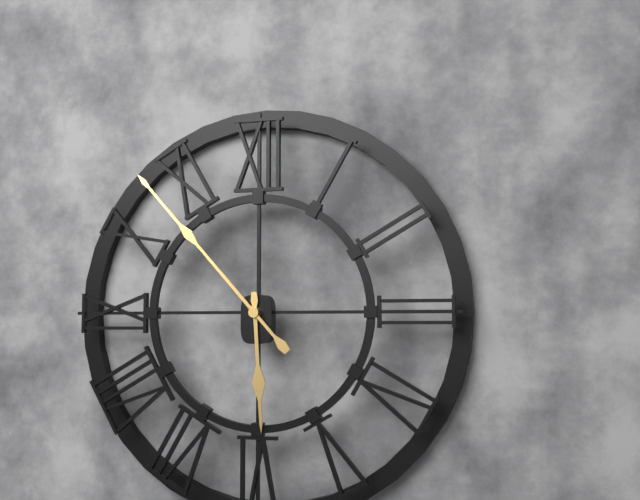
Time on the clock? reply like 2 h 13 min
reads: 5 h 53 min
